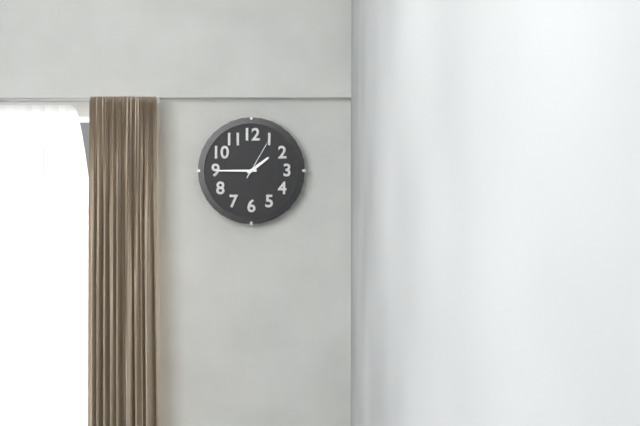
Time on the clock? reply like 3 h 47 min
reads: 1 h 45 min
